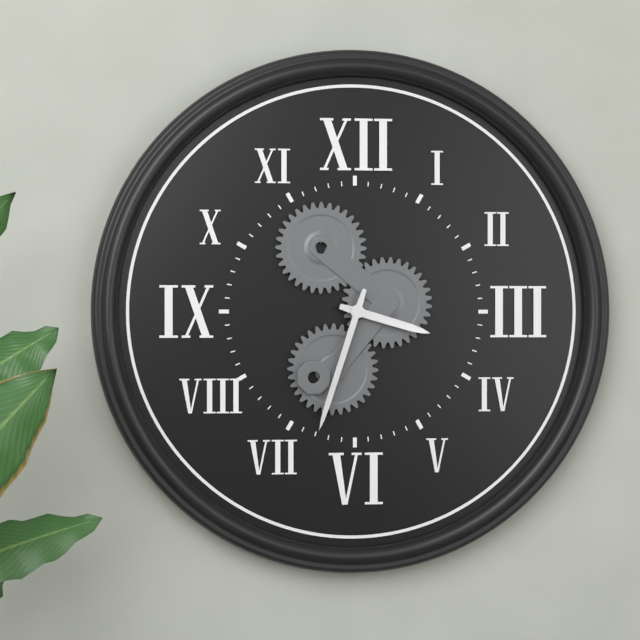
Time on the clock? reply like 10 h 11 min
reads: 3 h 33 min
